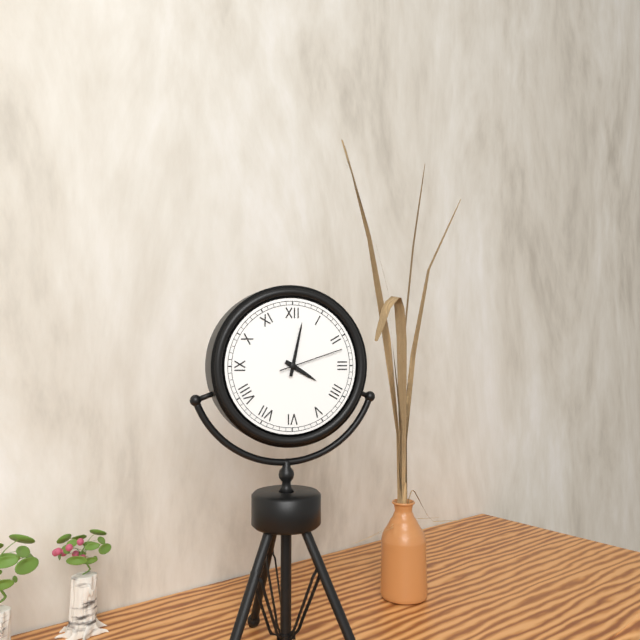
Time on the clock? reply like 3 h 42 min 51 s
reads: 4 h 02 min 12 s
